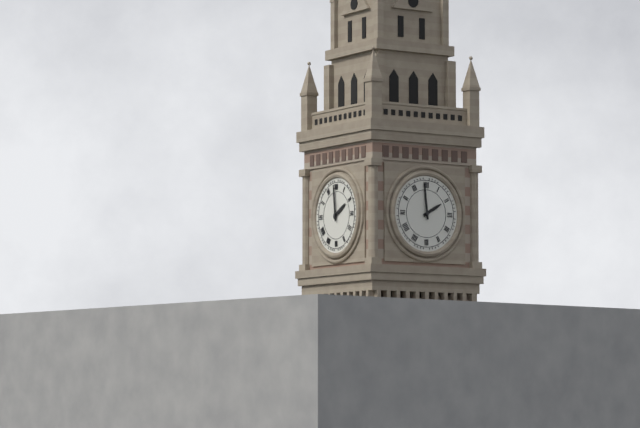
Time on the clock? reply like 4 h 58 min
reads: 1 h 59 min
